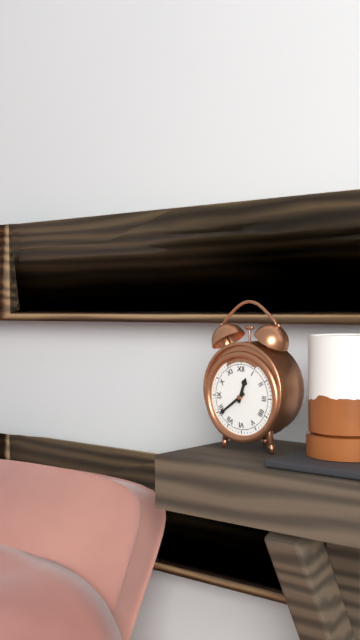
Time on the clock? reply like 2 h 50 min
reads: 12 h 39 min
